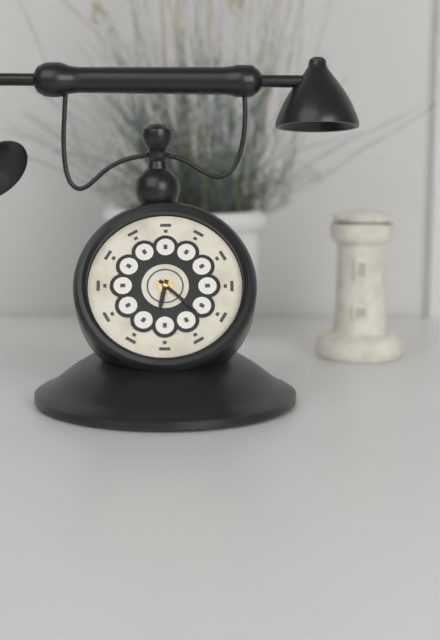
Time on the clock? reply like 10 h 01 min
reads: 6 h 22 min
